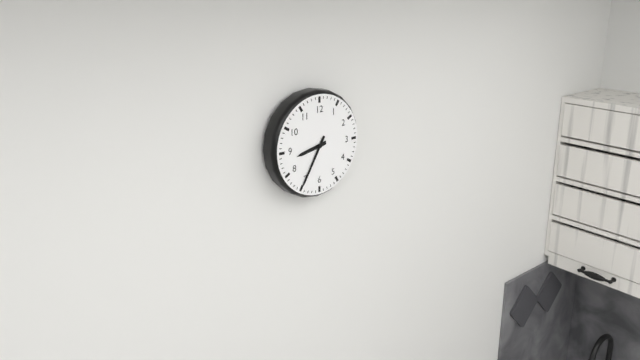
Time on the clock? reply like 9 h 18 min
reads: 8 h 35 min
